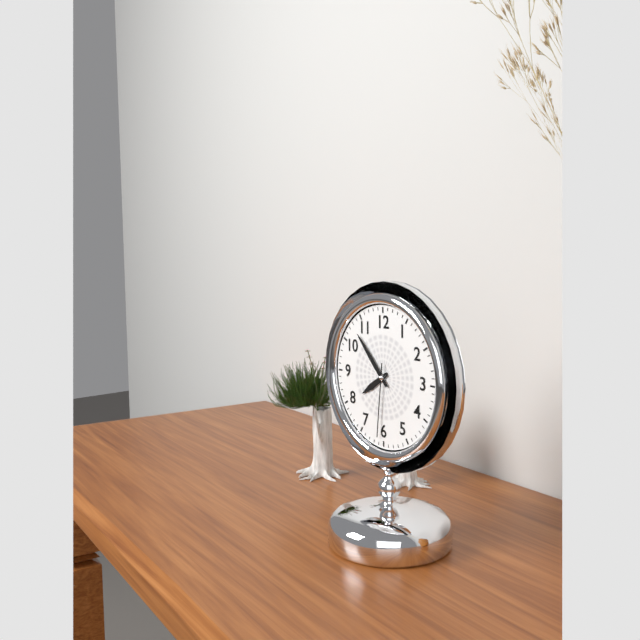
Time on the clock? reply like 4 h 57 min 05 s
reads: 7 h 53 min 31 s
